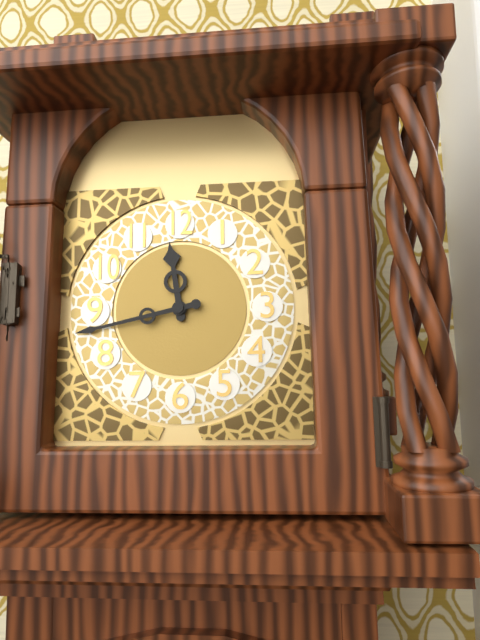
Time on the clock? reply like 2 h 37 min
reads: 11 h 43 min
